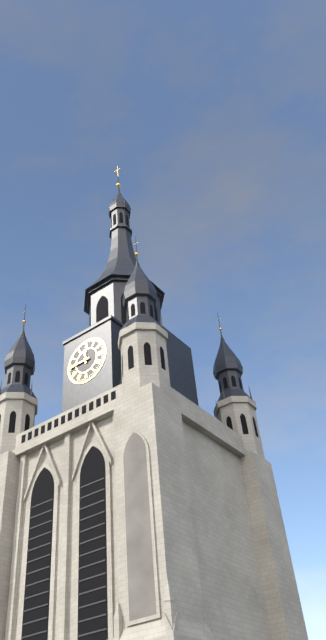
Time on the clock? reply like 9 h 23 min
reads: 11 h 45 min
